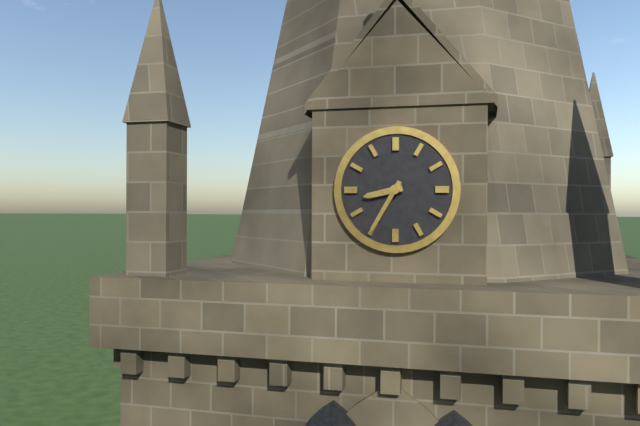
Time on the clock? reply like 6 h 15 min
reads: 8 h 35 min
